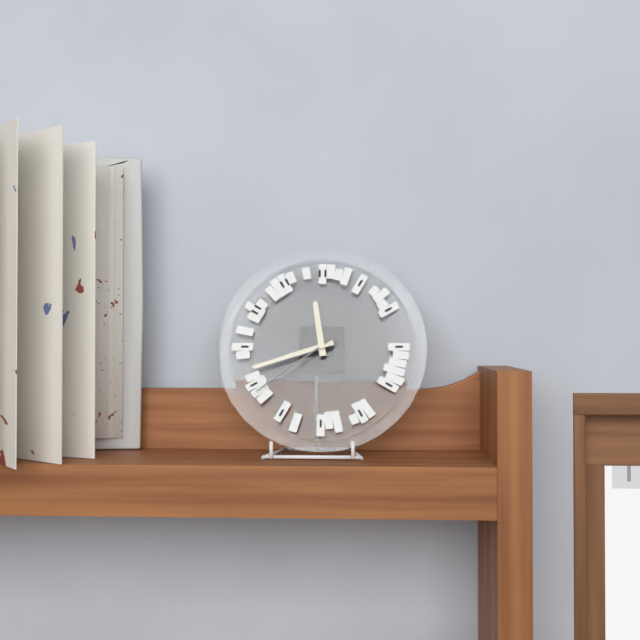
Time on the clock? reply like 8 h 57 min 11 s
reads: 11 h 42 min 39 s
